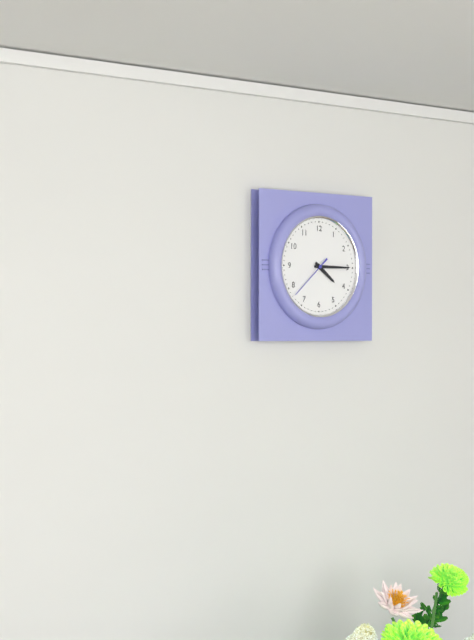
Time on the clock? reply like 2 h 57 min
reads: 4 h 15 min
